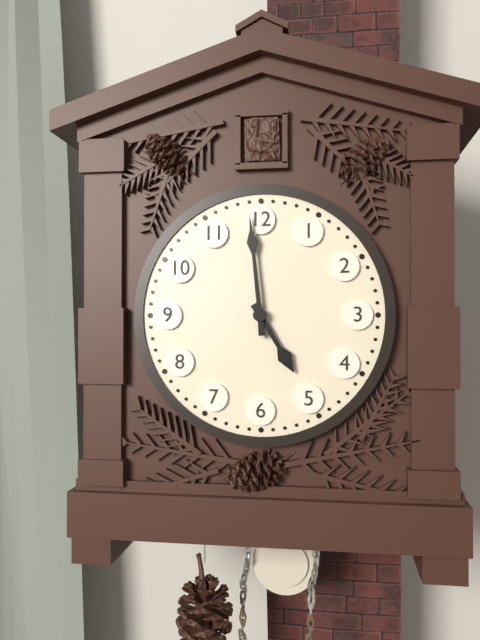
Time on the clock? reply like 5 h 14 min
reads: 4 h 59 min
